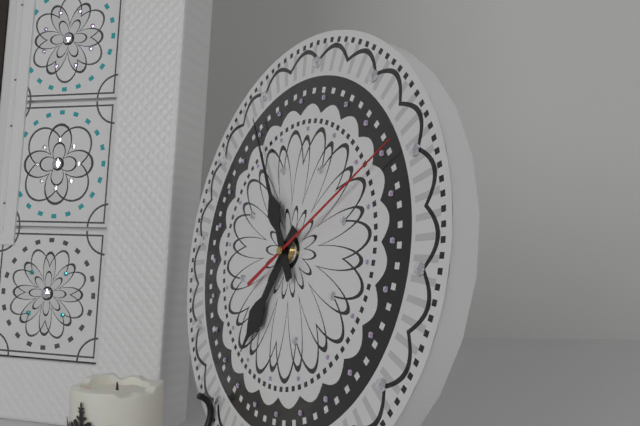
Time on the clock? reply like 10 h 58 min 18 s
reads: 6 h 54 min 09 s
